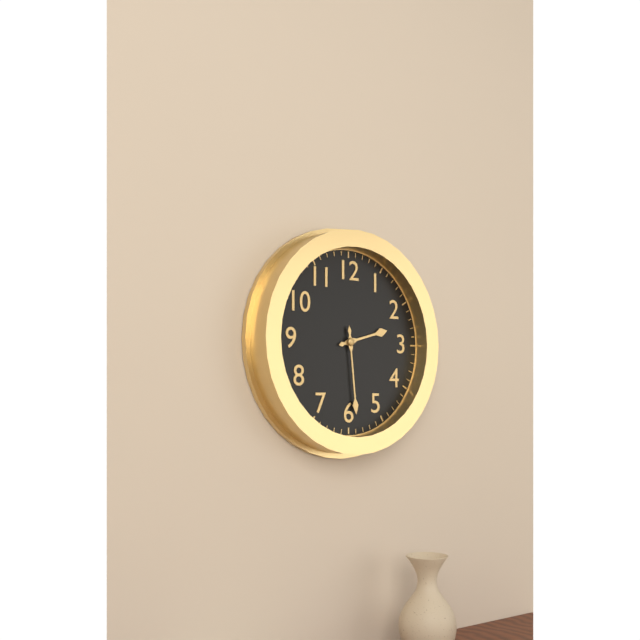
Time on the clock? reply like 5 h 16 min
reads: 2 h 29 min
